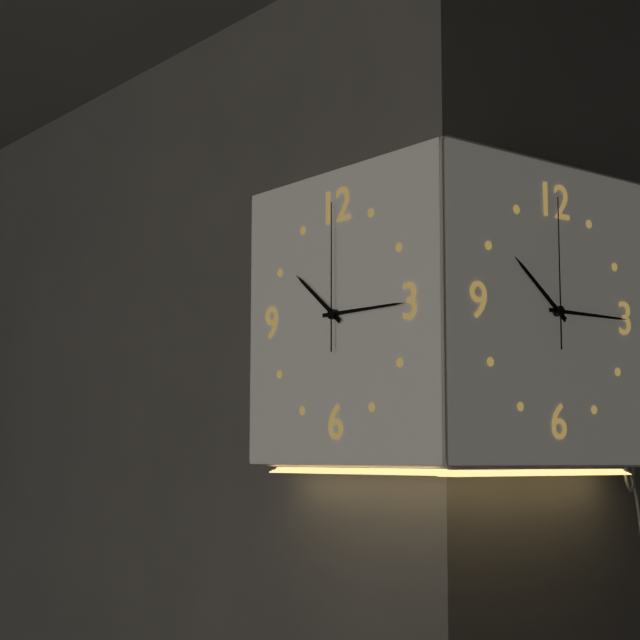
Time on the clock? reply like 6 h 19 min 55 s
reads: 10 h 15 min 00 s
